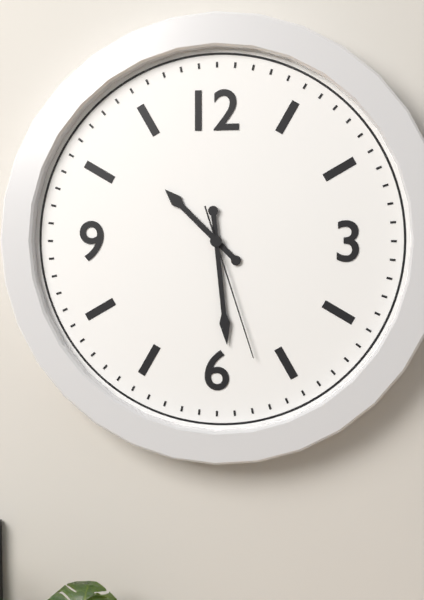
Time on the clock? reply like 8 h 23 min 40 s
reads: 10 h 29 min 27 s
